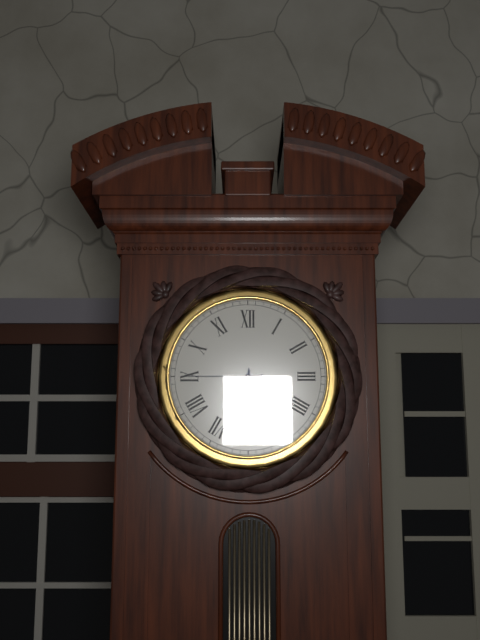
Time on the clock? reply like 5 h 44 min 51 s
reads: 6 h 31 min 45 s
